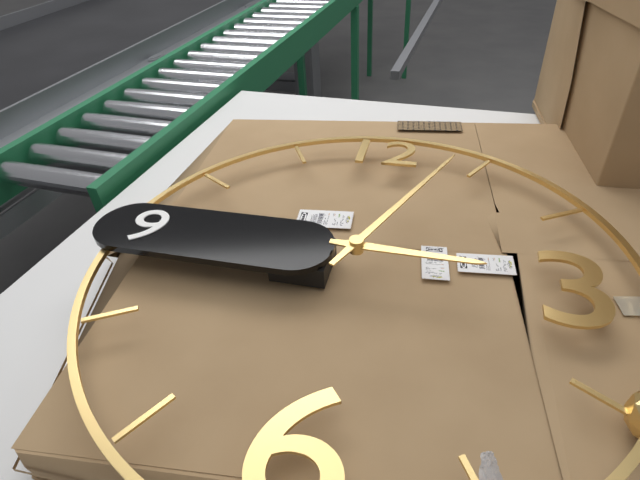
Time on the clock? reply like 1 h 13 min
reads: 3 h 04 min
